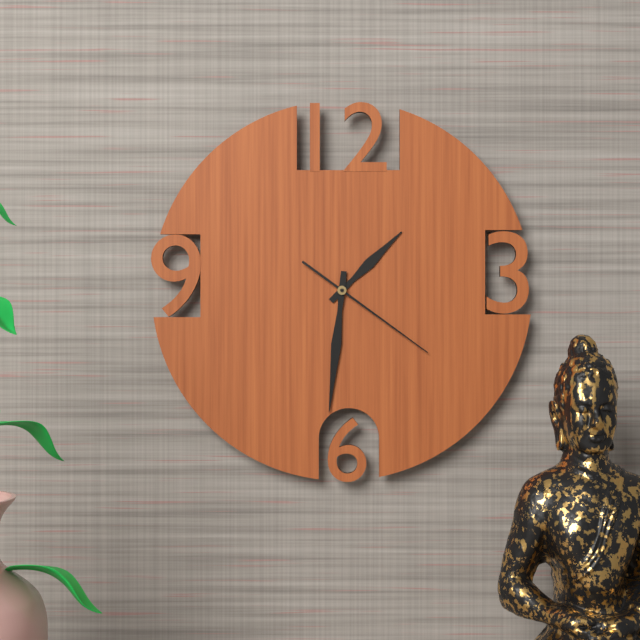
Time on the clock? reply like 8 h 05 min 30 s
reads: 1 h 31 min 21 s
